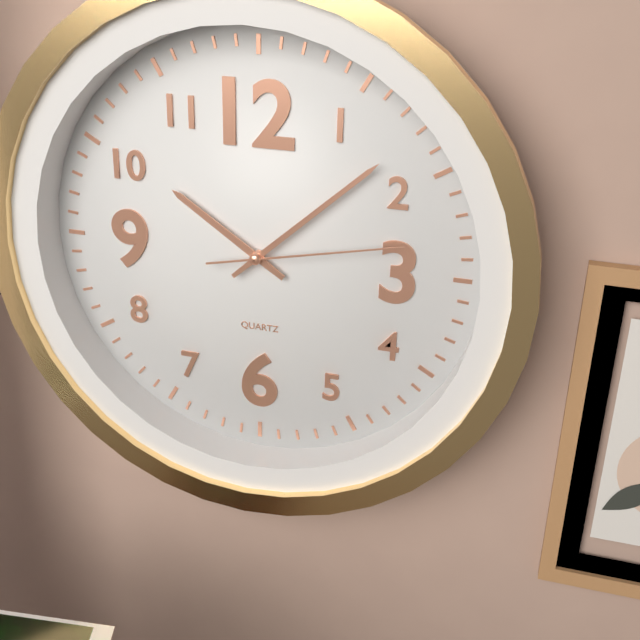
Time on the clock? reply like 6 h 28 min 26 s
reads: 10 h 08 min 13 s
